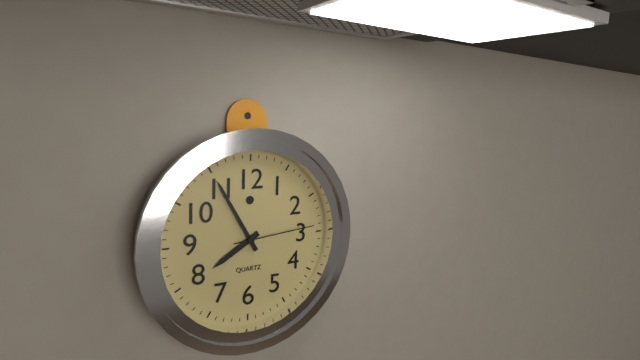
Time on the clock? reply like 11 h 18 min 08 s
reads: 7 h 55 min 14 s
